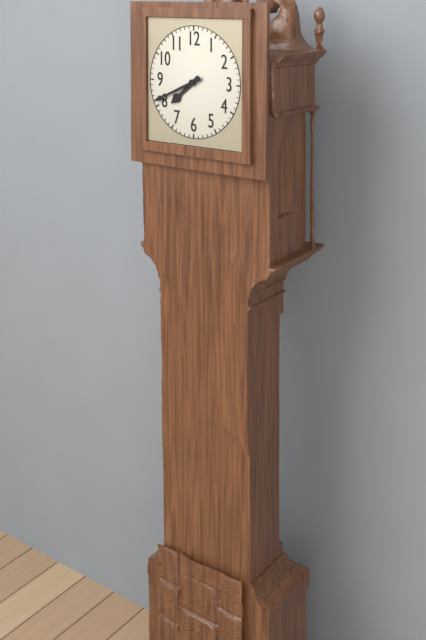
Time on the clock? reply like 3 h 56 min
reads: 7 h 41 min
